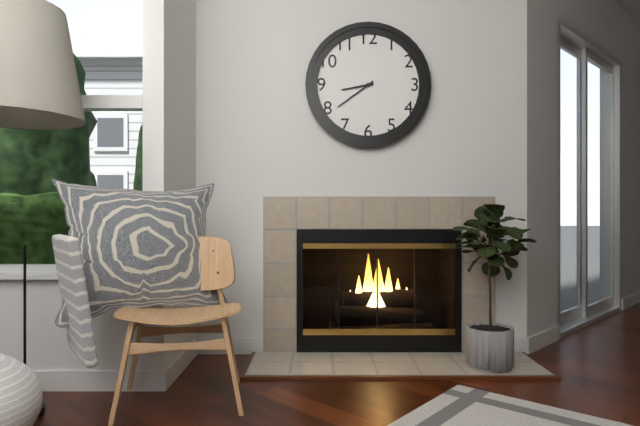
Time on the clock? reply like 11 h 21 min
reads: 8 h 39 min
